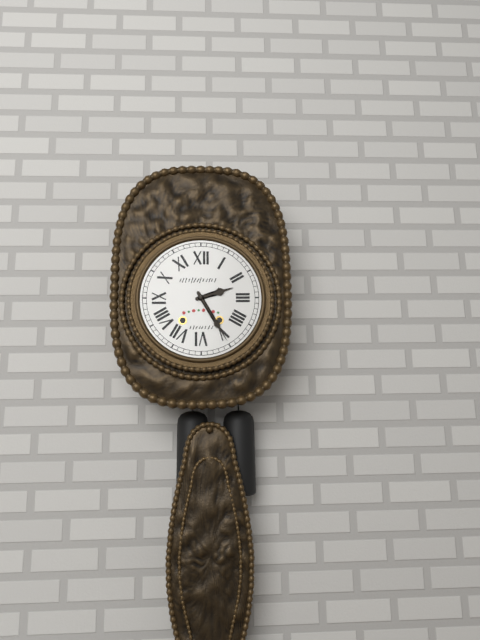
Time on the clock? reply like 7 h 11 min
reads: 2 h 25 min
